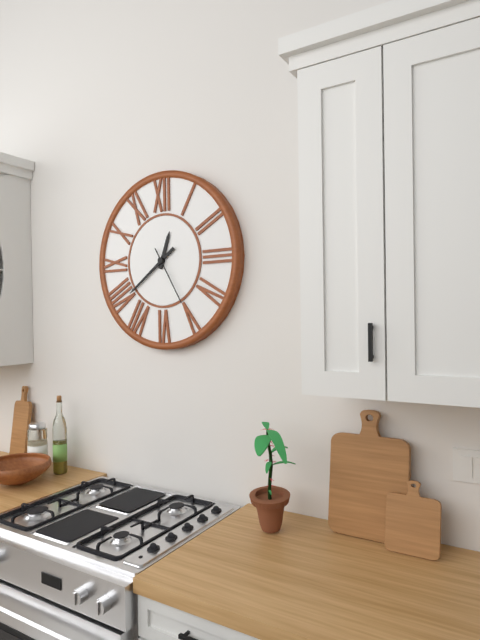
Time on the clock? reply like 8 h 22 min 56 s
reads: 12 h 39 min 25 s
